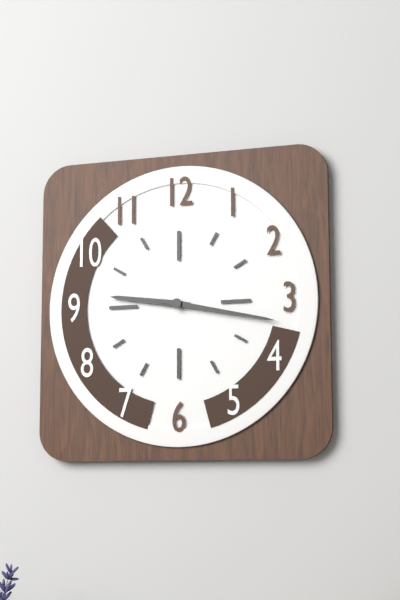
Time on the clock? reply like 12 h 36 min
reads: 9 h 17 min
